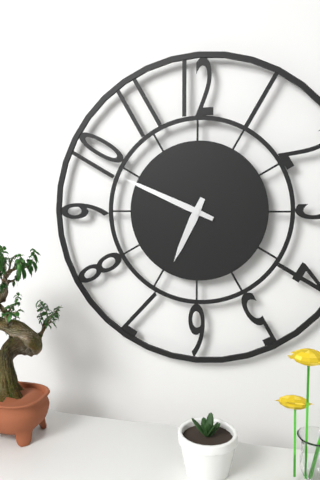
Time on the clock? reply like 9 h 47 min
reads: 6 h 49 min
